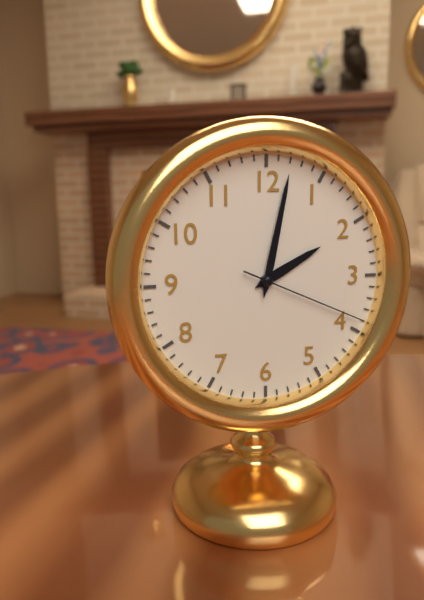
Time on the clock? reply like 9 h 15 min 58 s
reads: 2 h 02 min 19 s
